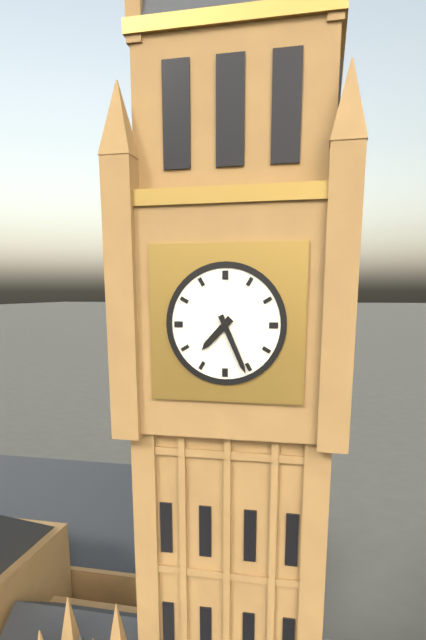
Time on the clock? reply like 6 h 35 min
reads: 7 h 26 min
